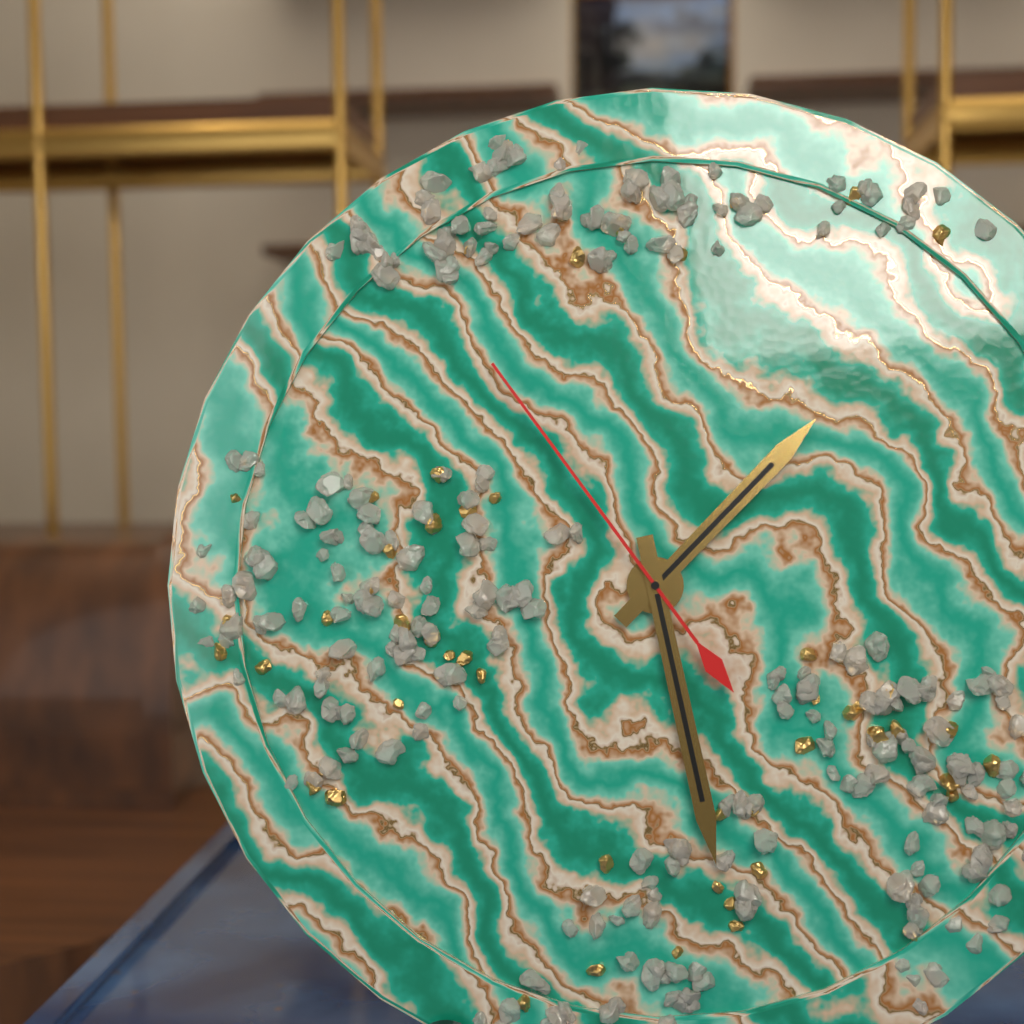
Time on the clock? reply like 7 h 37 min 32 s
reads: 1 h 28 min 54 s
